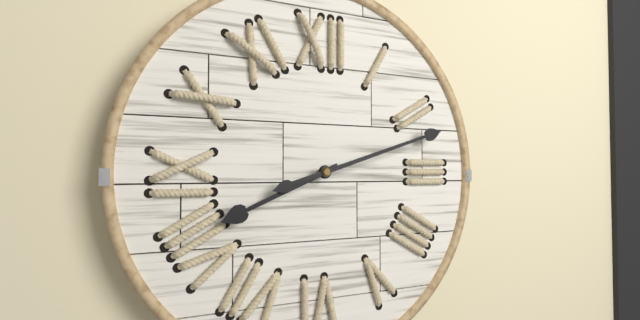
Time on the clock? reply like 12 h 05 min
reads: 8 h 12 min
